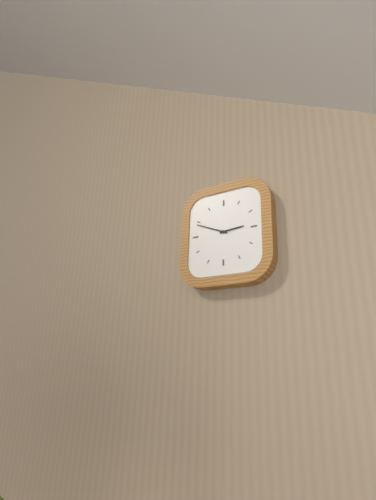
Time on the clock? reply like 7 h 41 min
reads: 2 h 49 min
